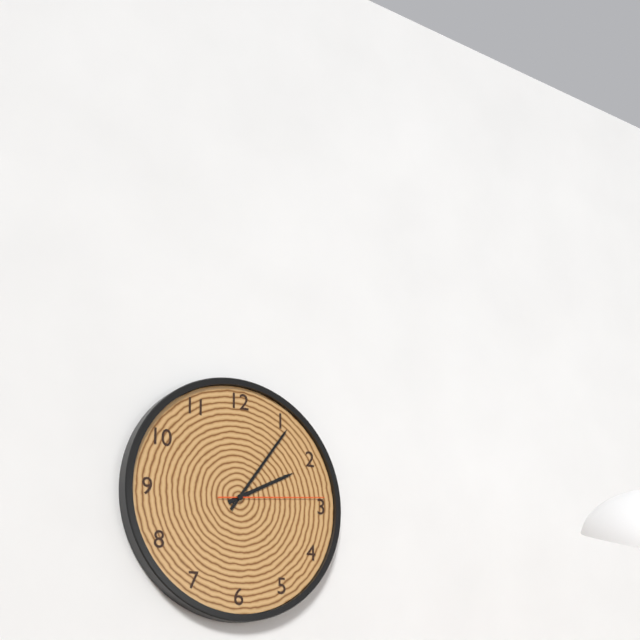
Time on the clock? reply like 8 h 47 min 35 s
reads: 2 h 06 min 14 s
